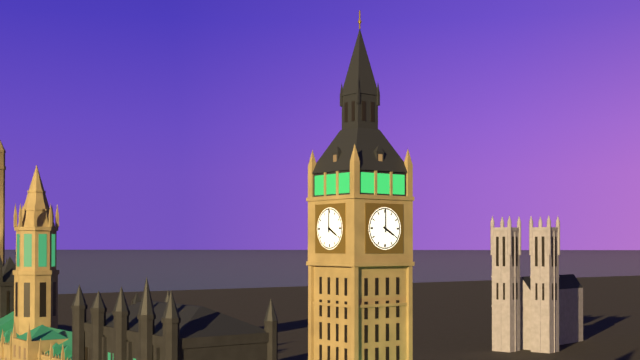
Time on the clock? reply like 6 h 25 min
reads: 4 h 00 min
